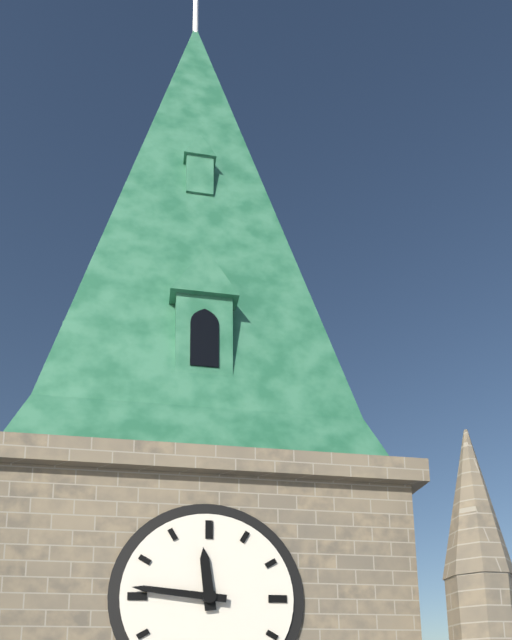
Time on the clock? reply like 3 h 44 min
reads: 11 h 46 min
